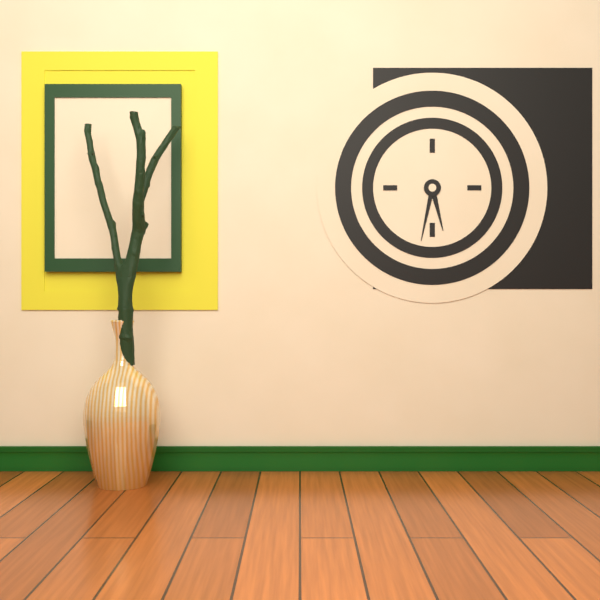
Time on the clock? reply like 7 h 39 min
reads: 5 h 32 min
